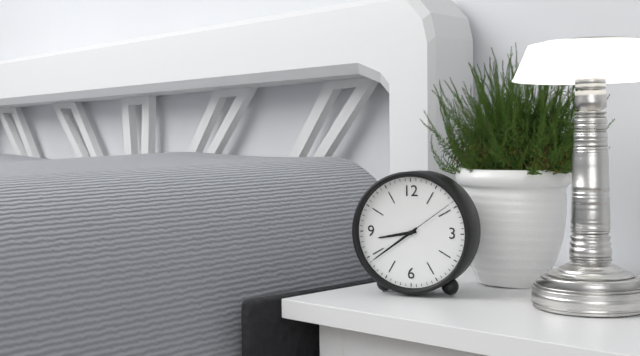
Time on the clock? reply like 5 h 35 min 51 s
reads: 8 h 39 min 09 s
